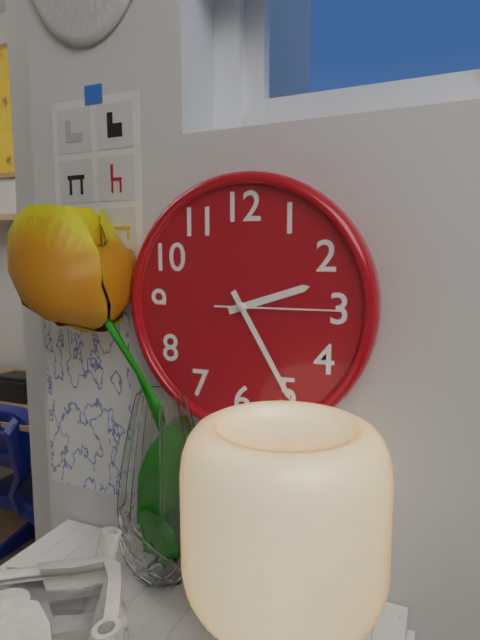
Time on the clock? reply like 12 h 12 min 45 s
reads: 2 h 25 min 15 s
